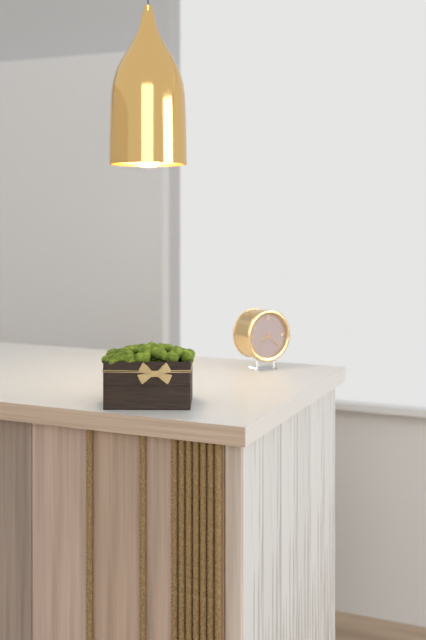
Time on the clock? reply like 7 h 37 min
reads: 8 h 22 min
